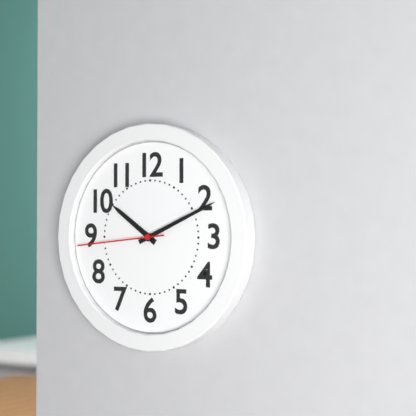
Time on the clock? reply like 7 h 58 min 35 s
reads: 10 h 11 min 44 s
